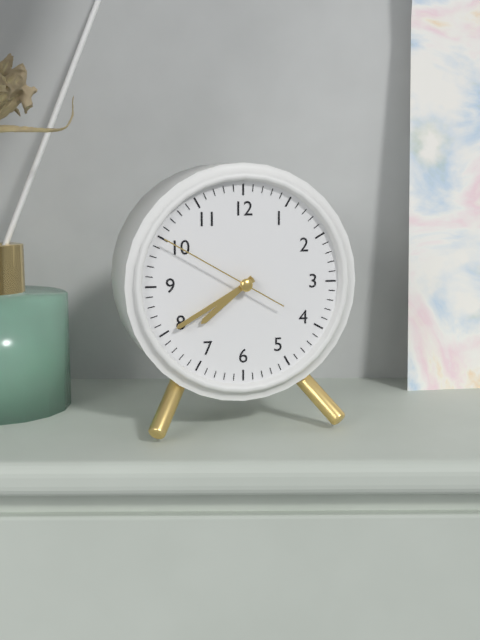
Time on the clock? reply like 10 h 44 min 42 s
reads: 7 h 40 min 50 s
